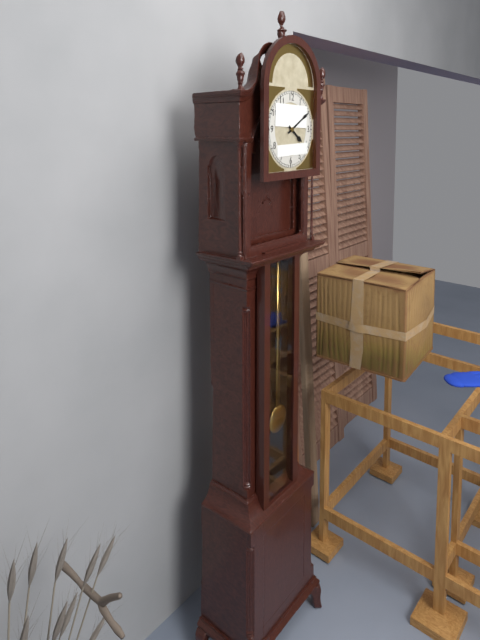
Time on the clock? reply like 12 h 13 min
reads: 4 h 10 min
